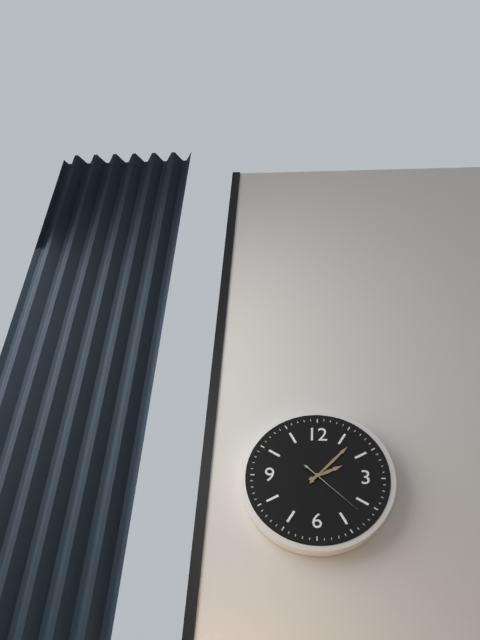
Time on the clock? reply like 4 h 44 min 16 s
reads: 2 h 07 min 22 s
